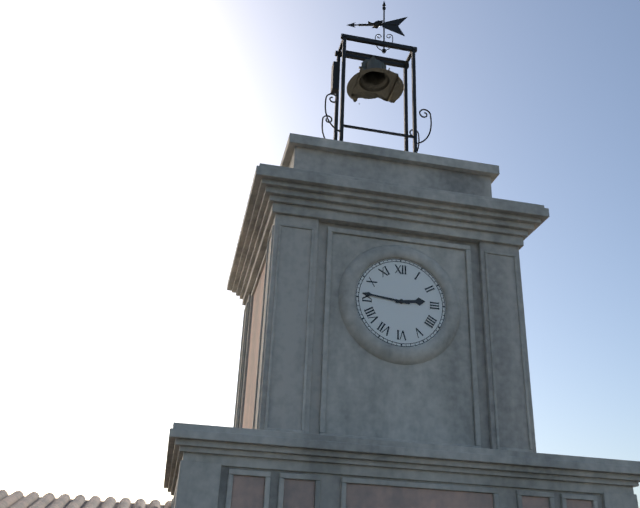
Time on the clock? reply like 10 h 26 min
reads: 2 h 46 min
